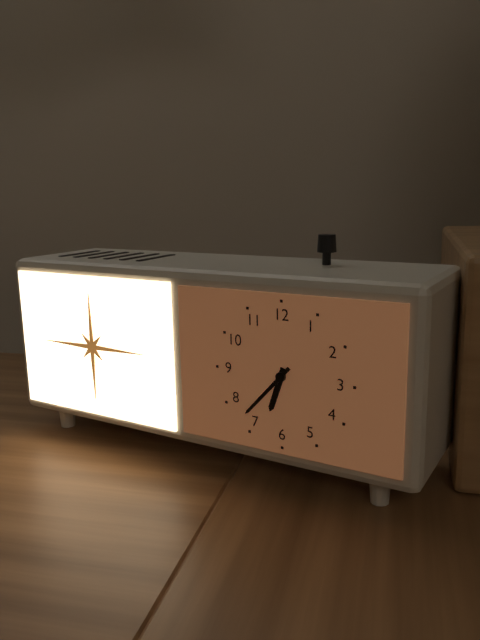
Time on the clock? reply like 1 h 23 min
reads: 6 h 37 min
